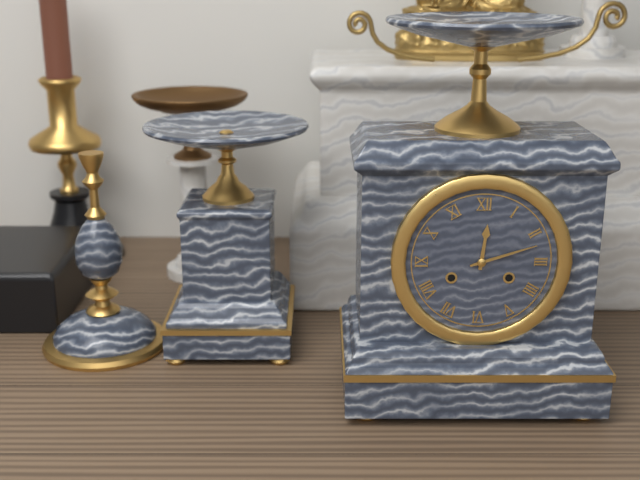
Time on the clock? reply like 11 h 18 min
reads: 12 h 12 min
